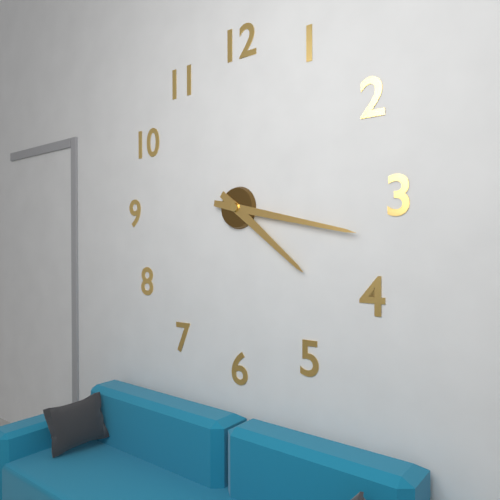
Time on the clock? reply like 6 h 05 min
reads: 4 h 17 min
